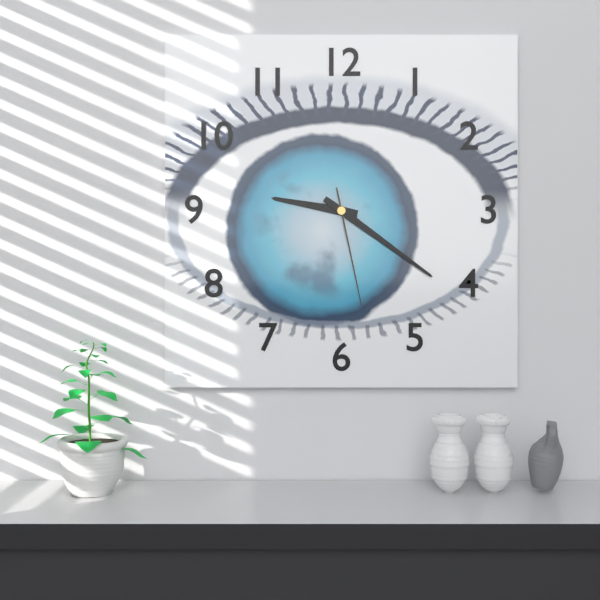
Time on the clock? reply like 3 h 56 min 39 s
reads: 9 h 21 min 28 s
